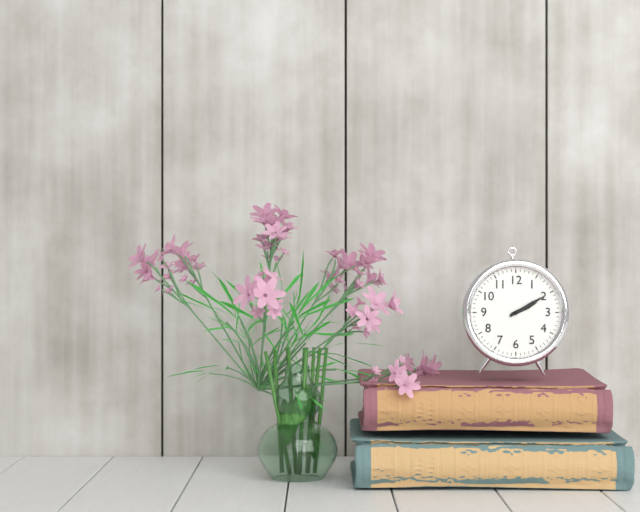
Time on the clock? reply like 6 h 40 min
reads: 2 h 10 min
